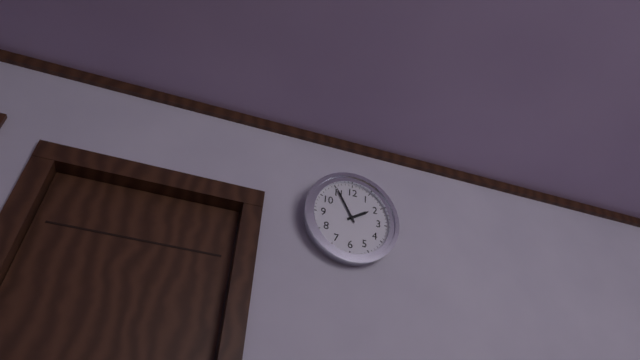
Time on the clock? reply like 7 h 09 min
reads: 1 h 55 min
